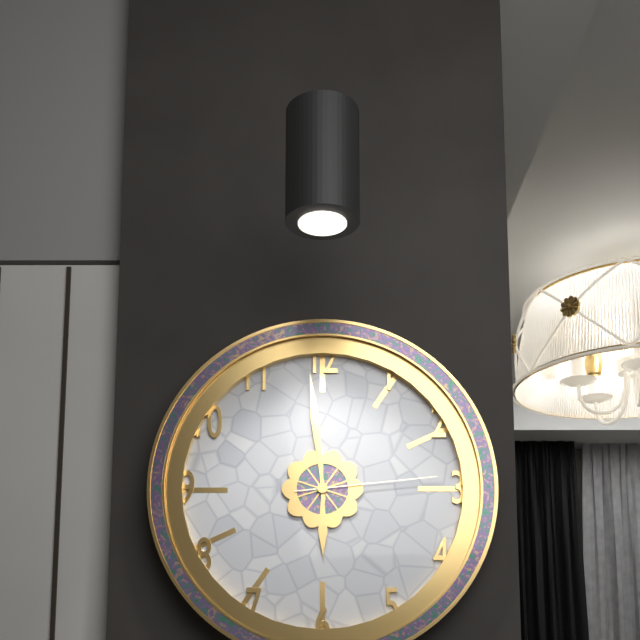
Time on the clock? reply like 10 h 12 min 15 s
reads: 5 h 59 min 14 s
